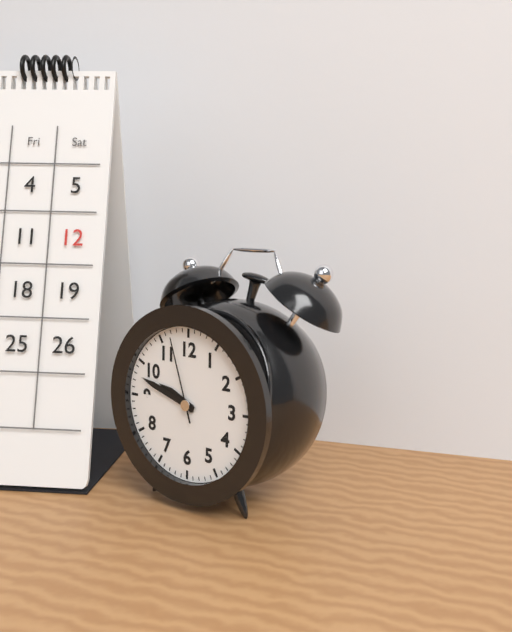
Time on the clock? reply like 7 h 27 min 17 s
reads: 9 h 48 min 57 s
